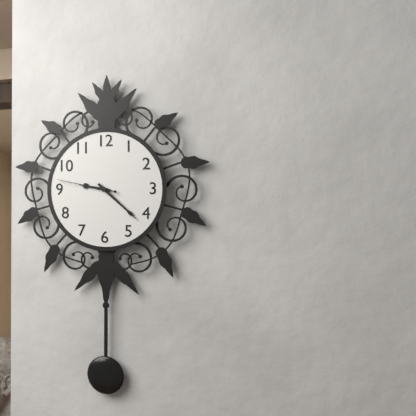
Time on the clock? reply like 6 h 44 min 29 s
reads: 9 h 22 min 47 s
